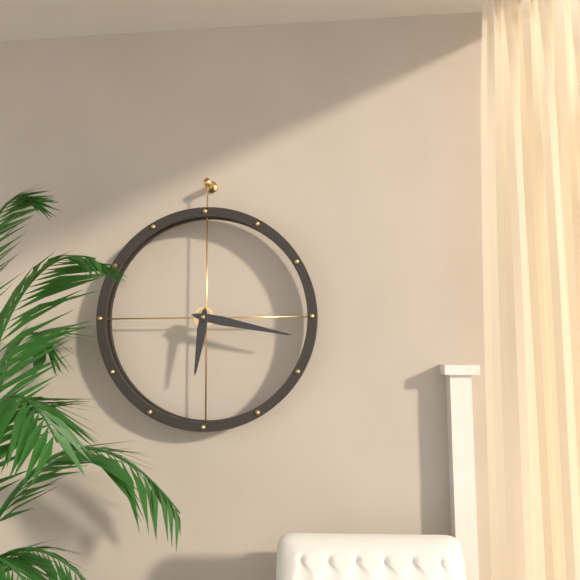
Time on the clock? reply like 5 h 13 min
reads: 6 h 17 min
